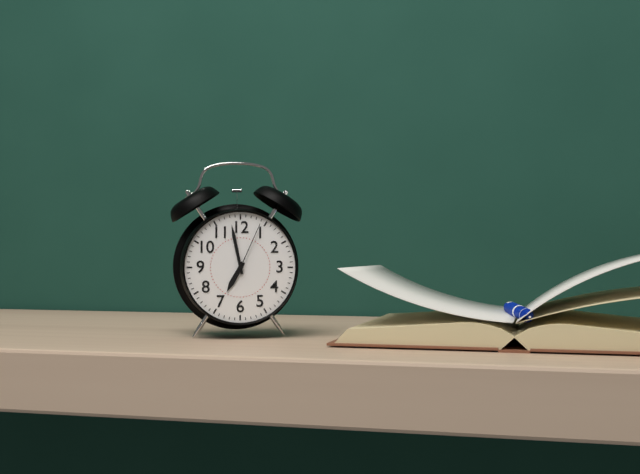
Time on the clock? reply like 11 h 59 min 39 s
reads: 6 h 58 min 04 s
